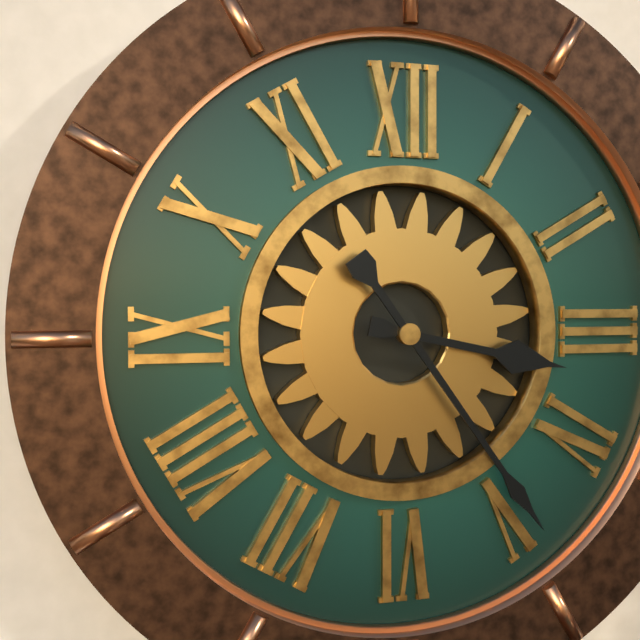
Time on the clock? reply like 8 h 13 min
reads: 3 h 24 min
